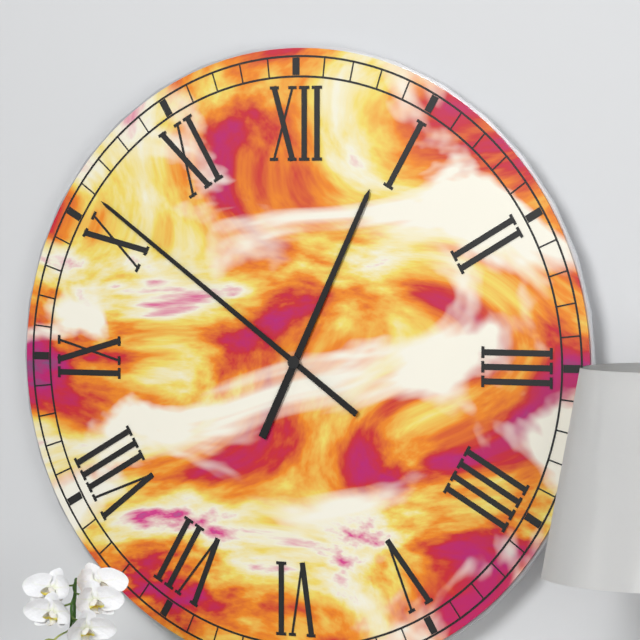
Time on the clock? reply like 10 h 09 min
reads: 12 h 51 min
